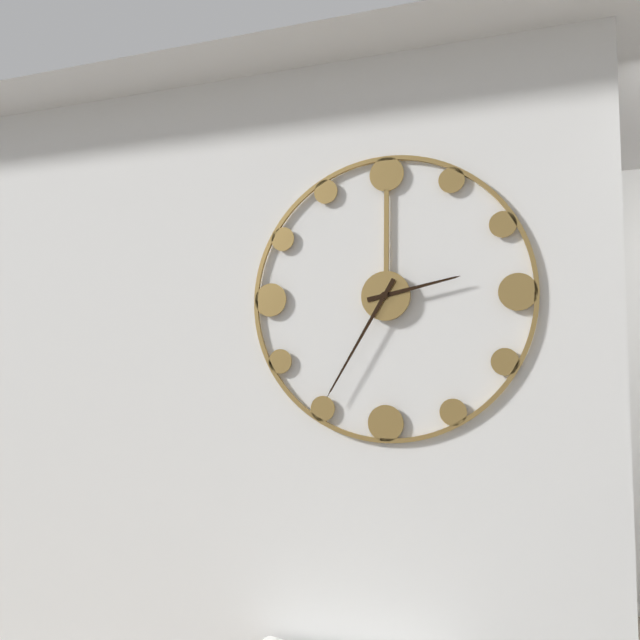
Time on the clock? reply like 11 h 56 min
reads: 2 h 35 min
